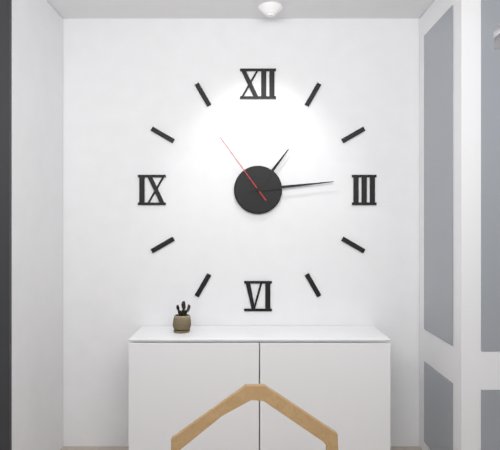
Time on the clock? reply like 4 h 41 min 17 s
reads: 1 h 14 min 54 s
